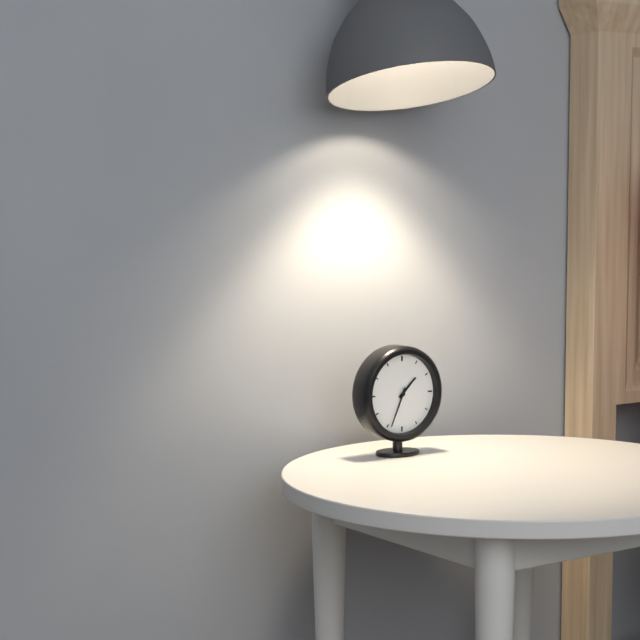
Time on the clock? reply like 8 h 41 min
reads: 1 h 34 min
